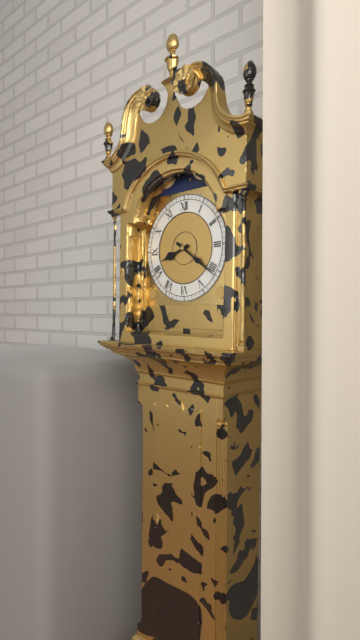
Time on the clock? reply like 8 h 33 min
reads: 8 h 21 min
